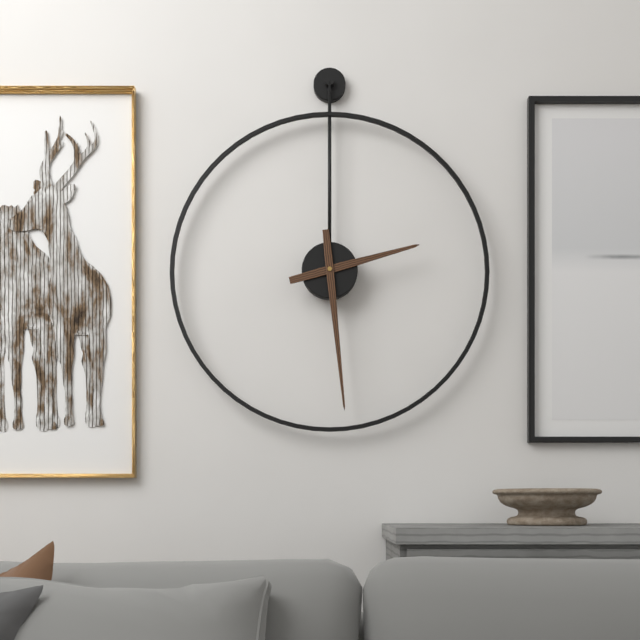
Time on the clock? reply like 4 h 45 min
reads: 2 h 29 min
